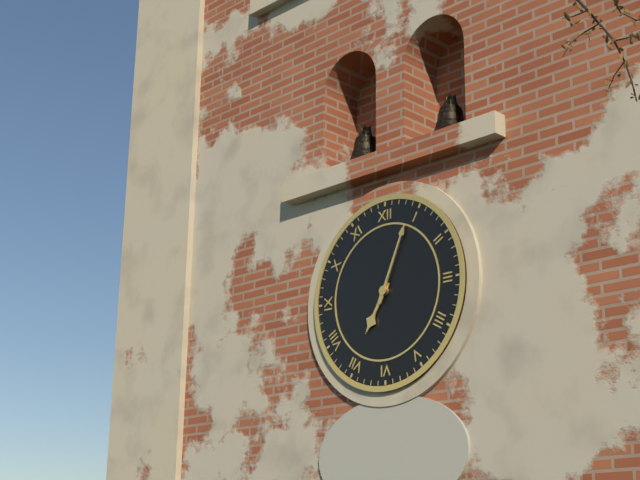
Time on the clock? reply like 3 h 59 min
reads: 7 h 04 min
